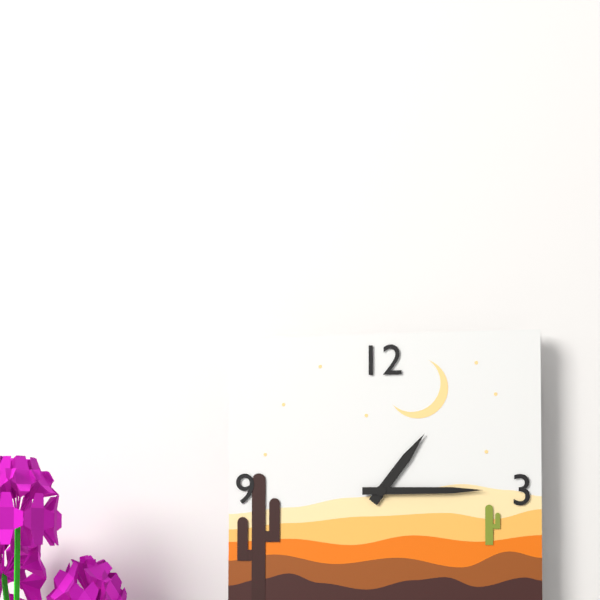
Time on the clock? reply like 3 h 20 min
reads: 1 h 15 min
